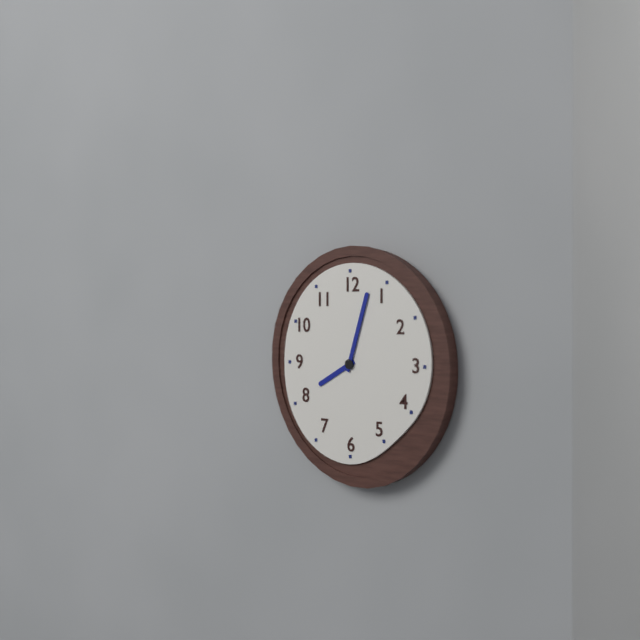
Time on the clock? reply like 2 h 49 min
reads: 8 h 03 min
